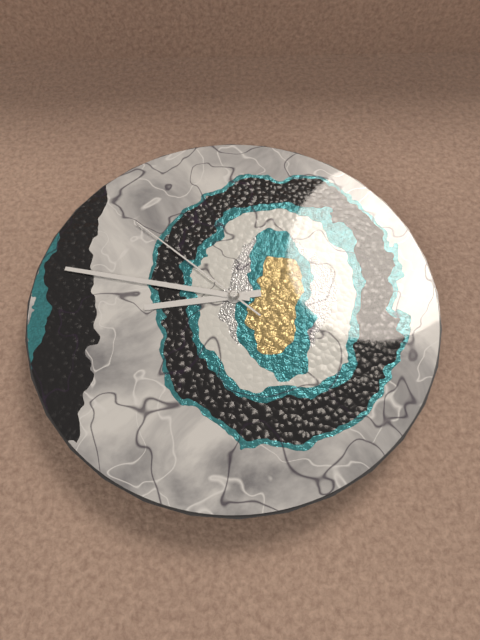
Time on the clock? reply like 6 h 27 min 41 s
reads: 8 h 47 min 52 s
